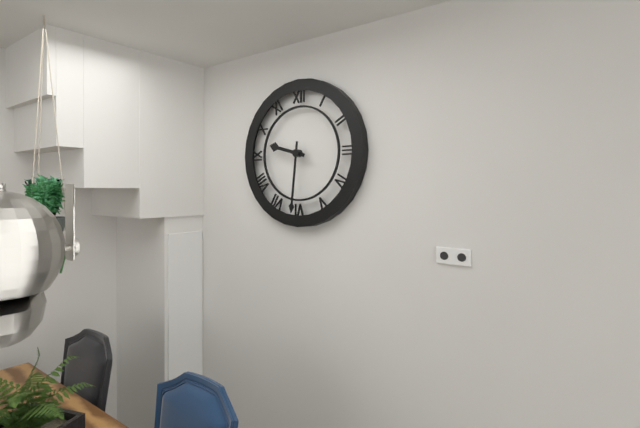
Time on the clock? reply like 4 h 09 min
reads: 9 h 31 min
